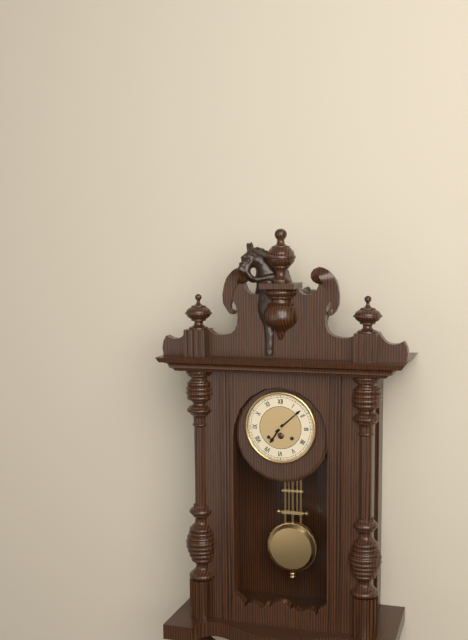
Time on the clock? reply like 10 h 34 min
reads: 7 h 08 min
